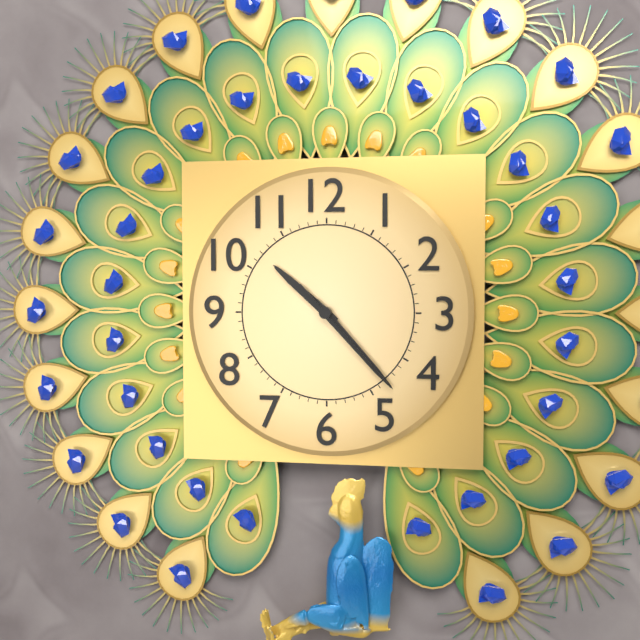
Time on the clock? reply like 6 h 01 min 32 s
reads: 10 h 23 min 23 s
